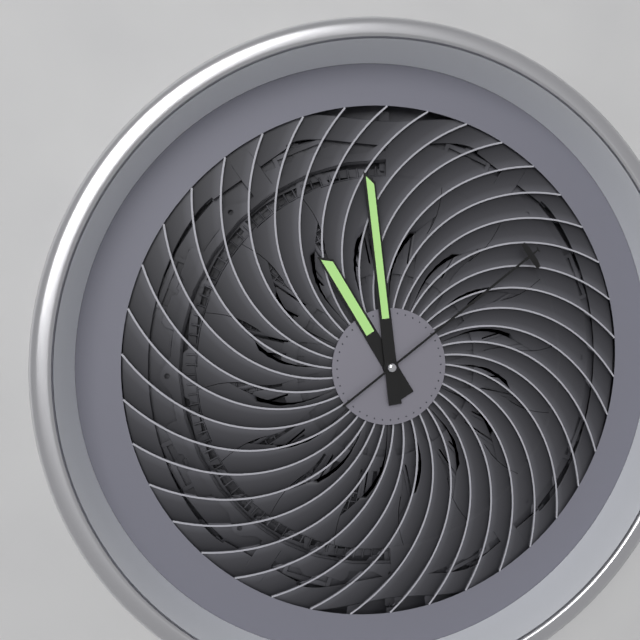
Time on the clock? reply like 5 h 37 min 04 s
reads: 10 h 59 min 09 s
